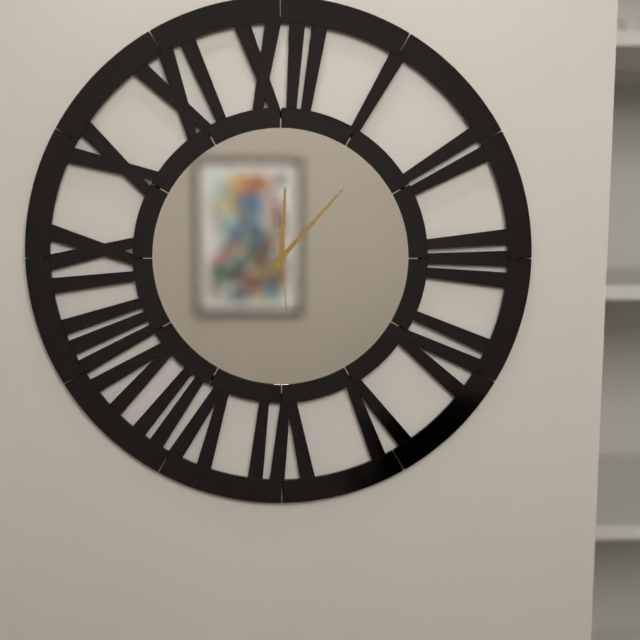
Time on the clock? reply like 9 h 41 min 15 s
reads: 12 h 07 min 29 s
